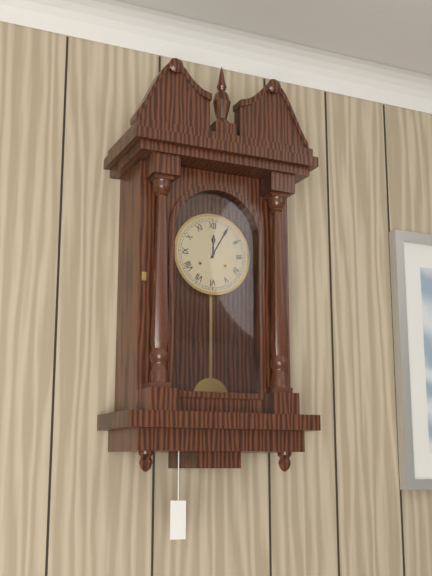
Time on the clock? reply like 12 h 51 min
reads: 12 h 05 min
